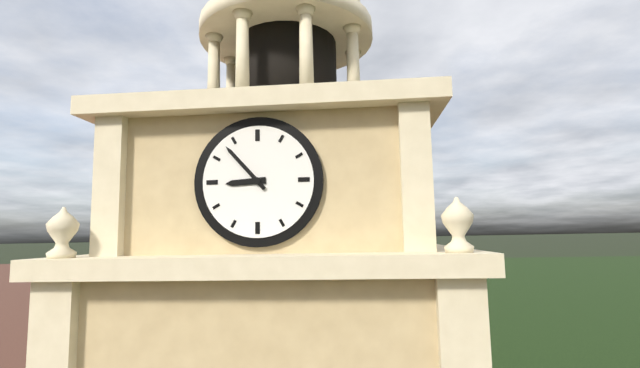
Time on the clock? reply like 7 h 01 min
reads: 8 h 53 min
